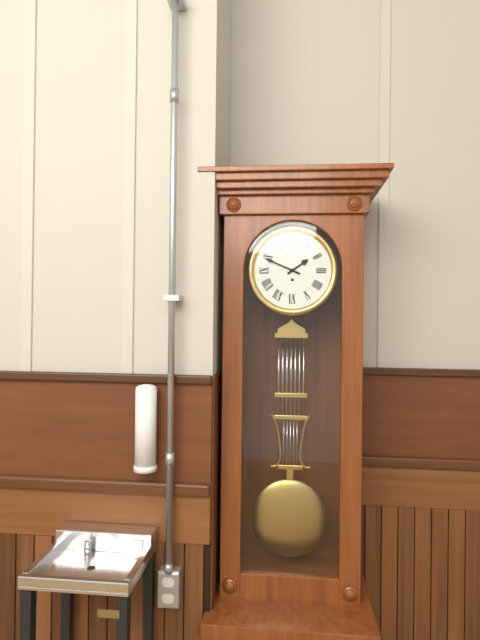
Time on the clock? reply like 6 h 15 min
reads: 1 h 49 min
